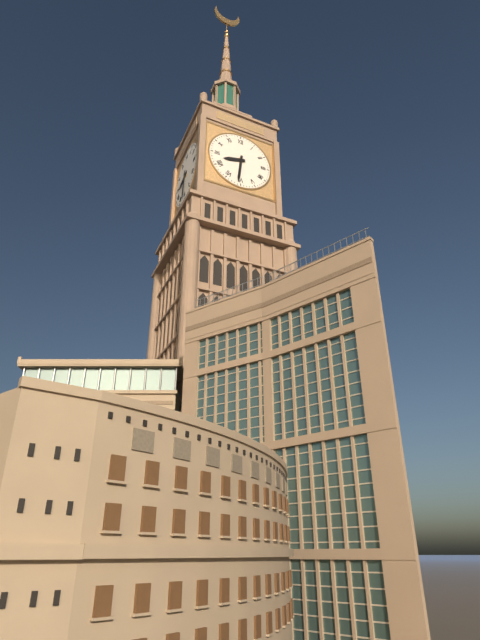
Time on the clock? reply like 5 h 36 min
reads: 8 h 31 min
